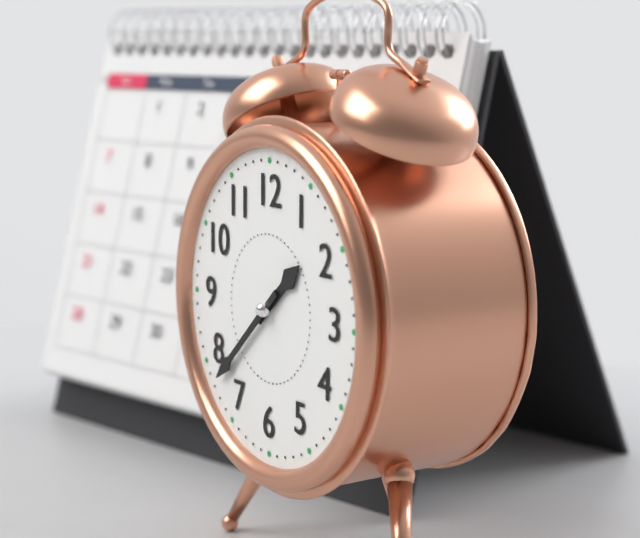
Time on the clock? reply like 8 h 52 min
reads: 1 h 38 min
